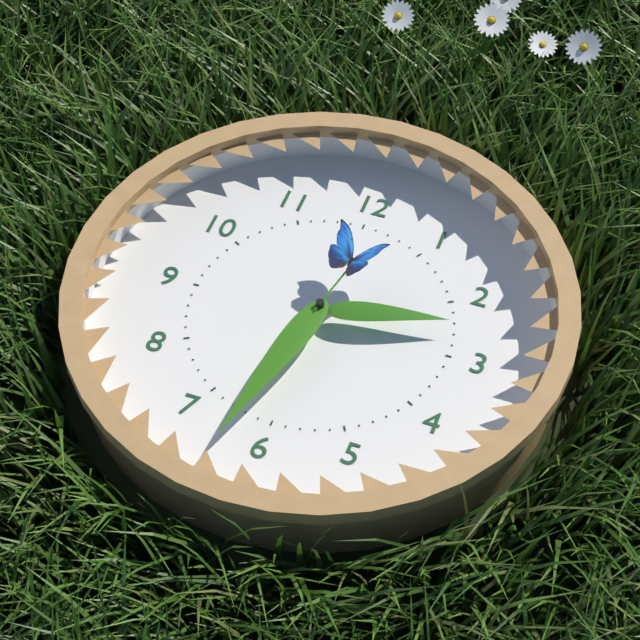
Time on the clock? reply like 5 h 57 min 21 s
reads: 2 h 32 min 02 s
